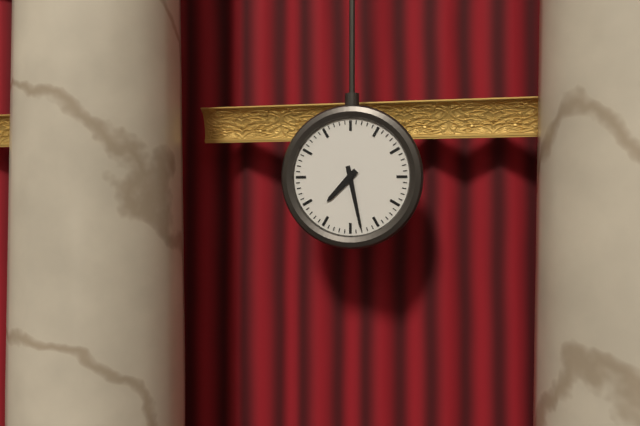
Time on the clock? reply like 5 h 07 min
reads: 7 h 28 min
